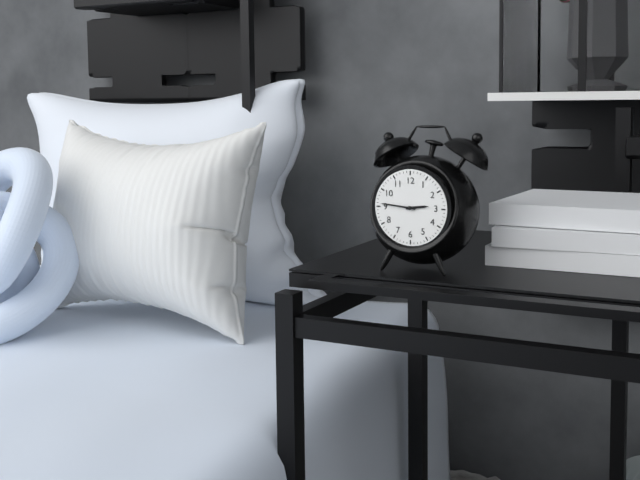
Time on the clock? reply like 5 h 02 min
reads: 2 h 46 min
